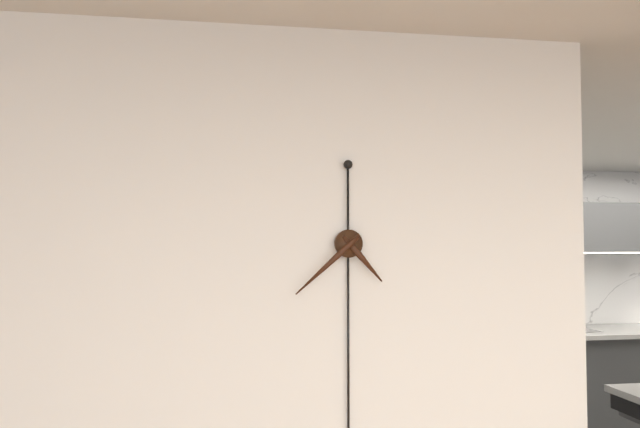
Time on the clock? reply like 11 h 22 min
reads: 4 h 38 min
